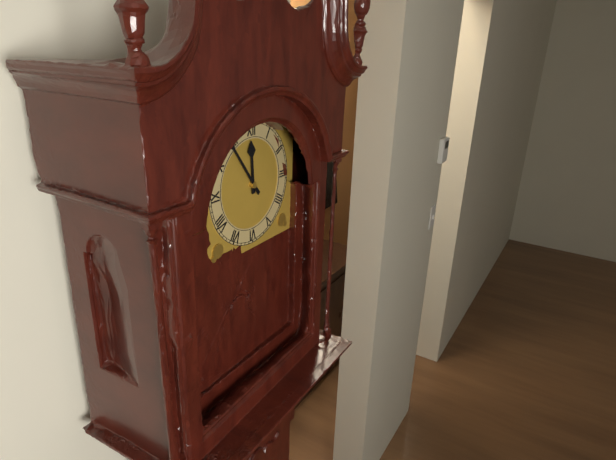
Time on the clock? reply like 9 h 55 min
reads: 11 h 54 min
